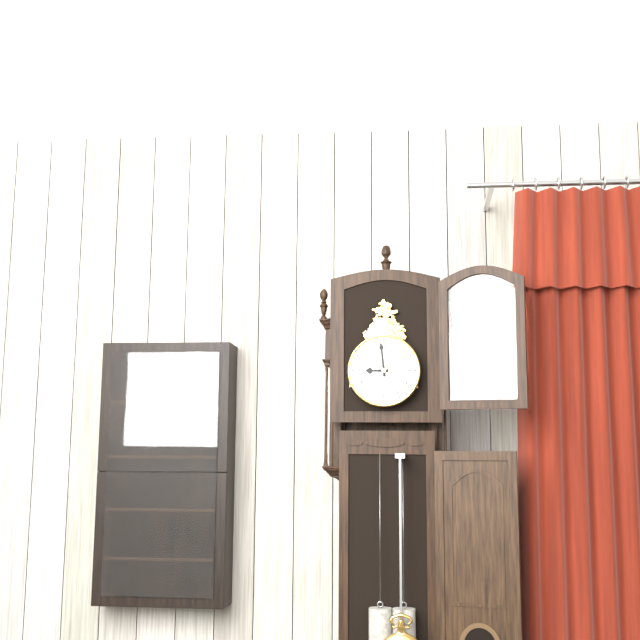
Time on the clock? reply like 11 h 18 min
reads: 8 h 59 min
